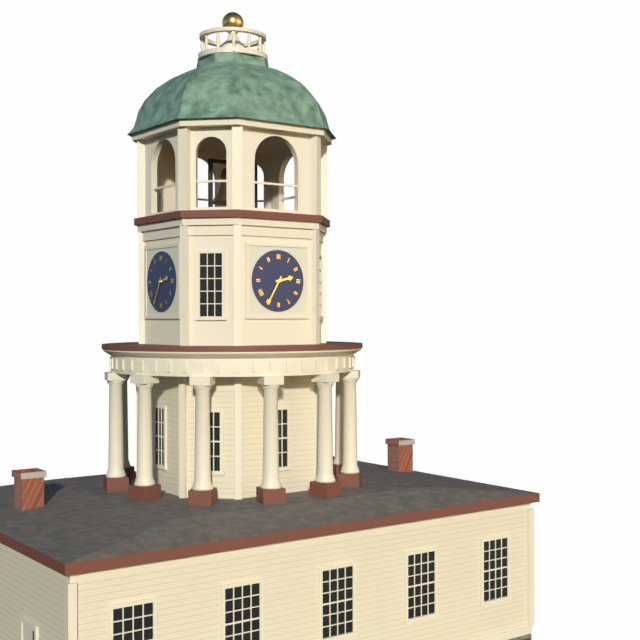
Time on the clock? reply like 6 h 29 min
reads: 2 h 35 min
